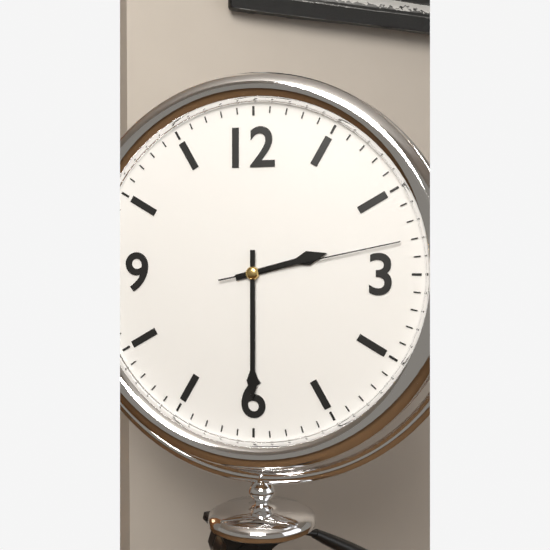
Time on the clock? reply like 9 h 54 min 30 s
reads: 2 h 30 min 13 s
